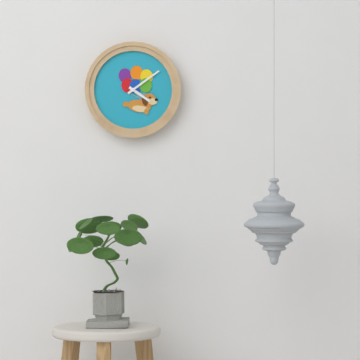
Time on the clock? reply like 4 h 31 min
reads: 4 h 09 min
